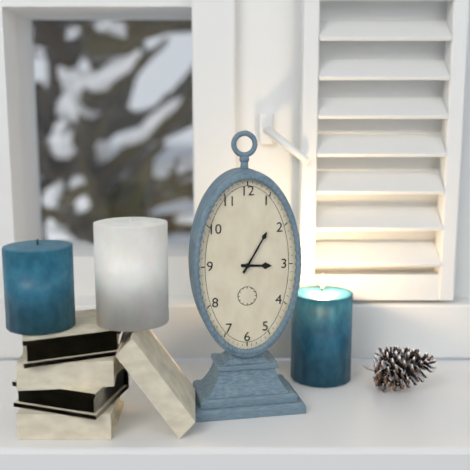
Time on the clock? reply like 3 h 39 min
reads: 3 h 05 min
